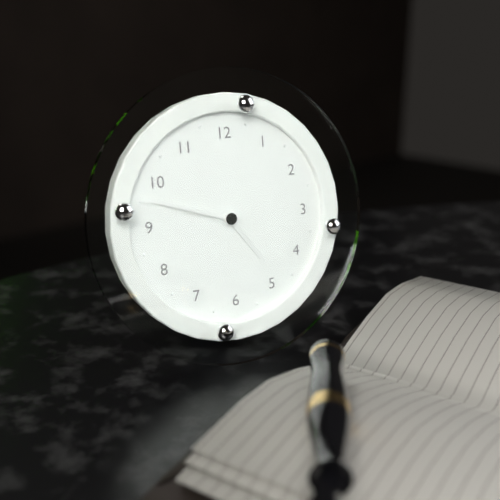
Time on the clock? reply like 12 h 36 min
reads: 4 h 48 min
